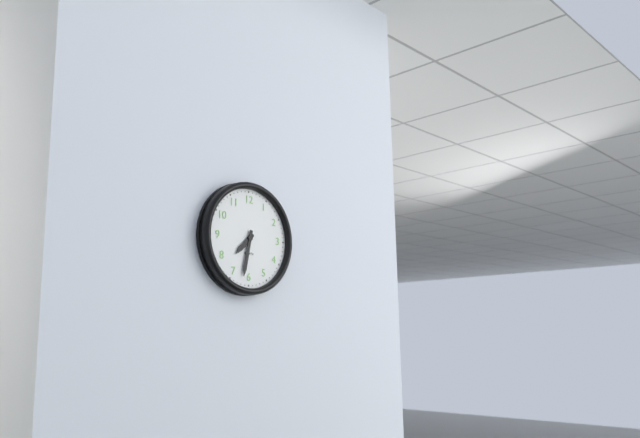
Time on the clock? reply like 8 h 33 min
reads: 7 h 32 min
